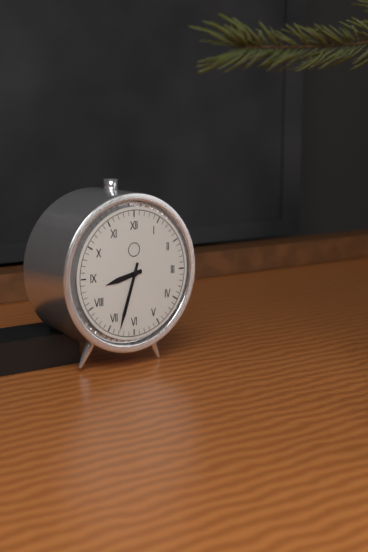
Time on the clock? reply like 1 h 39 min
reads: 8 h 33 min
